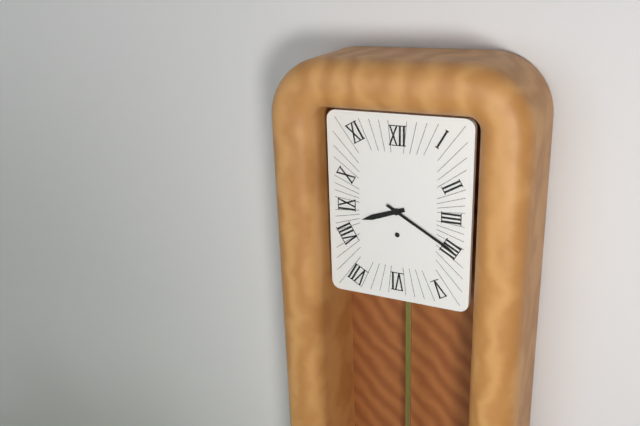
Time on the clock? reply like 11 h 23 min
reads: 8 h 20 min
